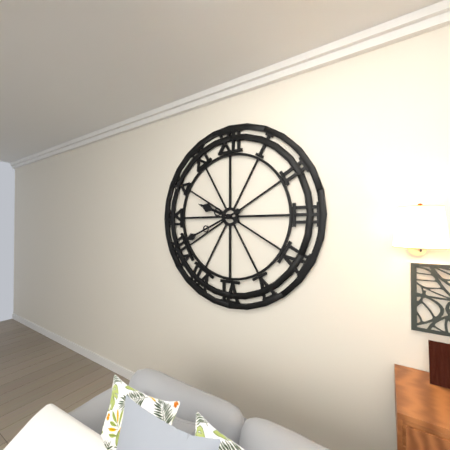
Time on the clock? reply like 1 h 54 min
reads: 9 h 41 min
